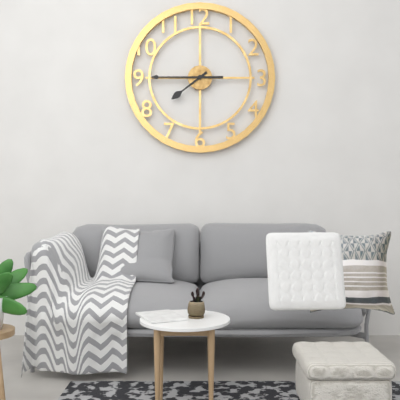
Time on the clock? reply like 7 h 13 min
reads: 7 h 45 min
